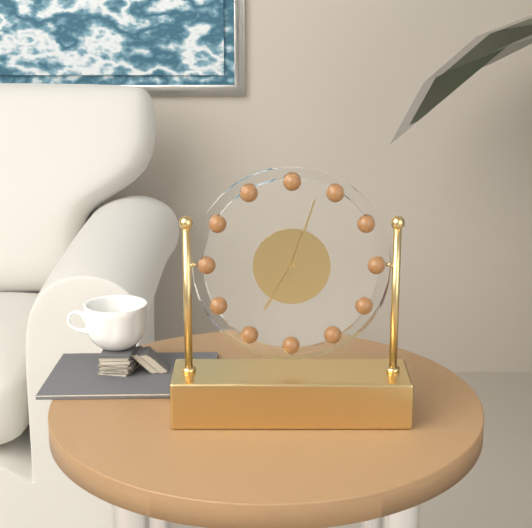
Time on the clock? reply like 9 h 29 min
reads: 7 h 03 min
